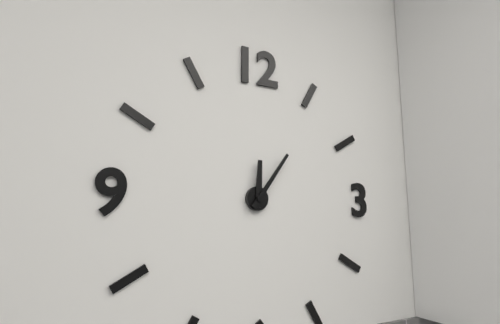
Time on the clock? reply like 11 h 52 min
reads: 12 h 06 min
